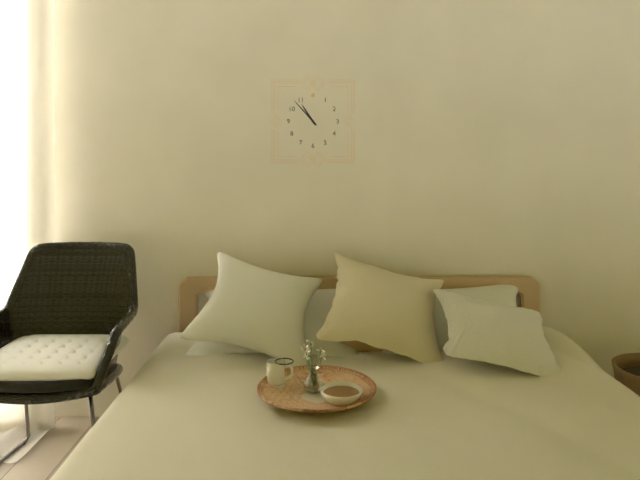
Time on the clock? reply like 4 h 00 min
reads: 10 h 53 min
